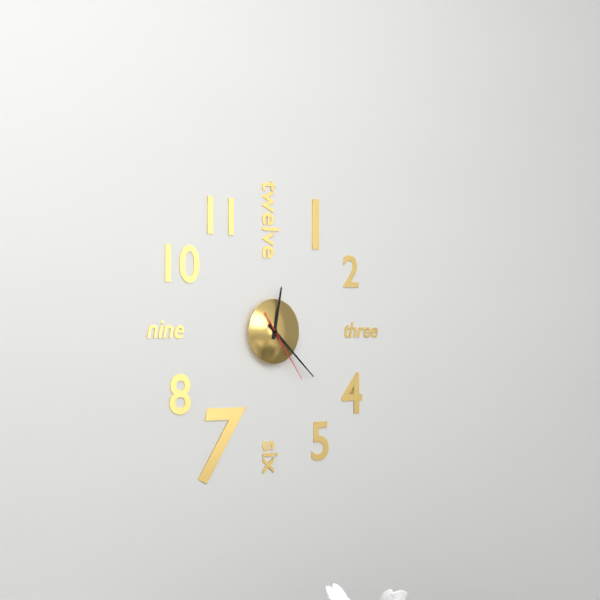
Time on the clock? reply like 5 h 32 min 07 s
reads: 12 h 22 min 24 s
